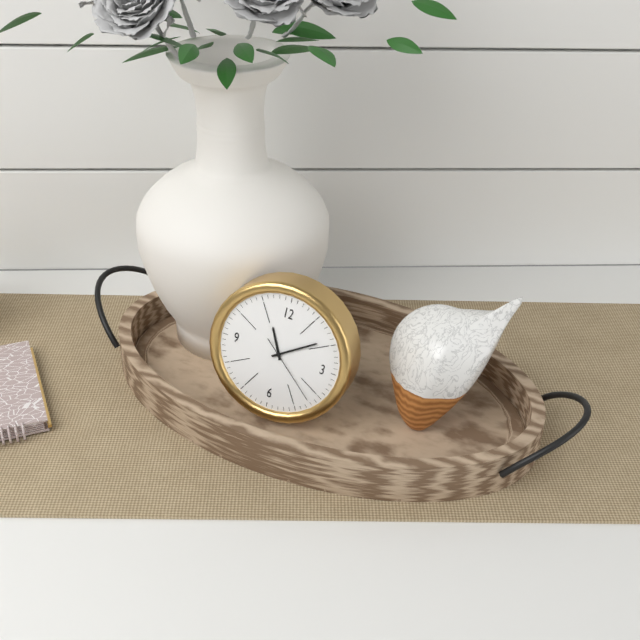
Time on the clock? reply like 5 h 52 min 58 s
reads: 11 h 09 min 22 s
